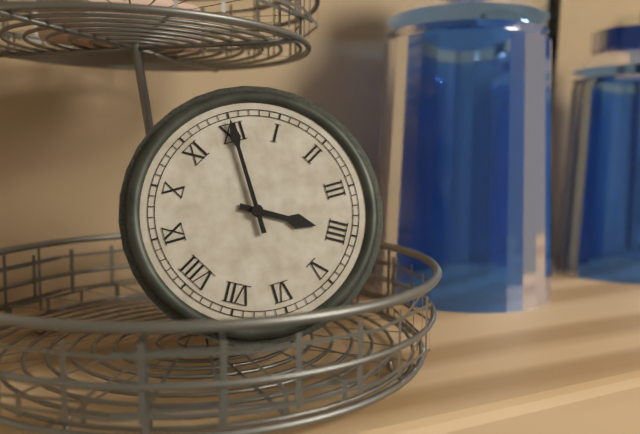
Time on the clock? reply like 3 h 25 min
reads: 4 h 00 min
